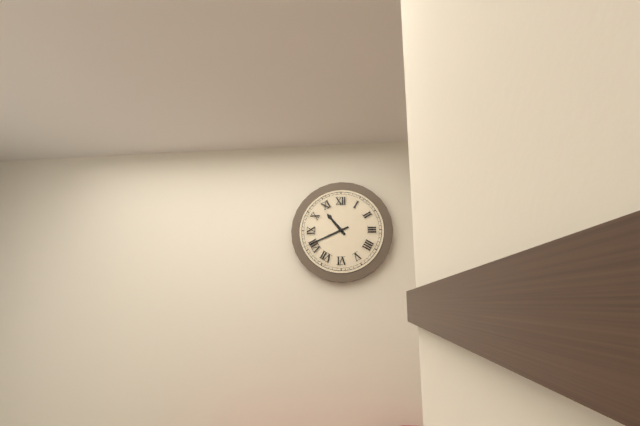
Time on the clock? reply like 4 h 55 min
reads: 10 h 41 min
